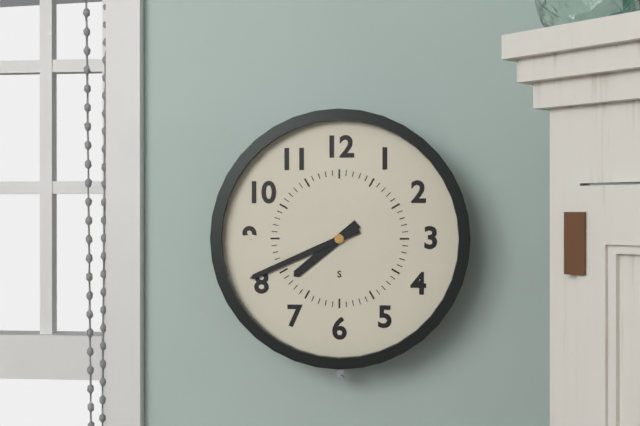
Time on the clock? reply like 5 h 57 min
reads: 7 h 41 min
